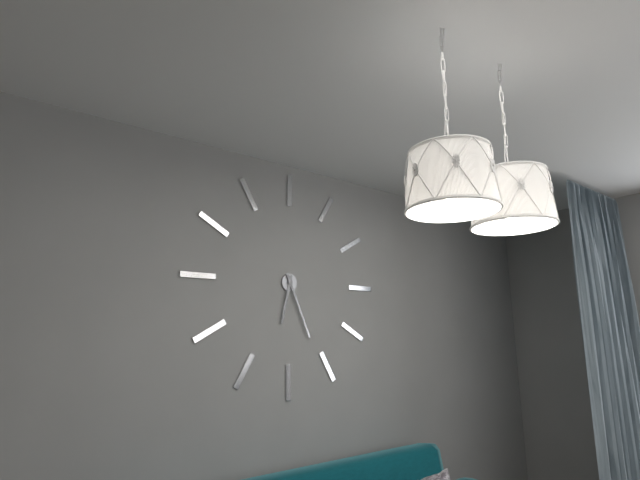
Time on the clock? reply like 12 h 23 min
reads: 6 h 26 min
